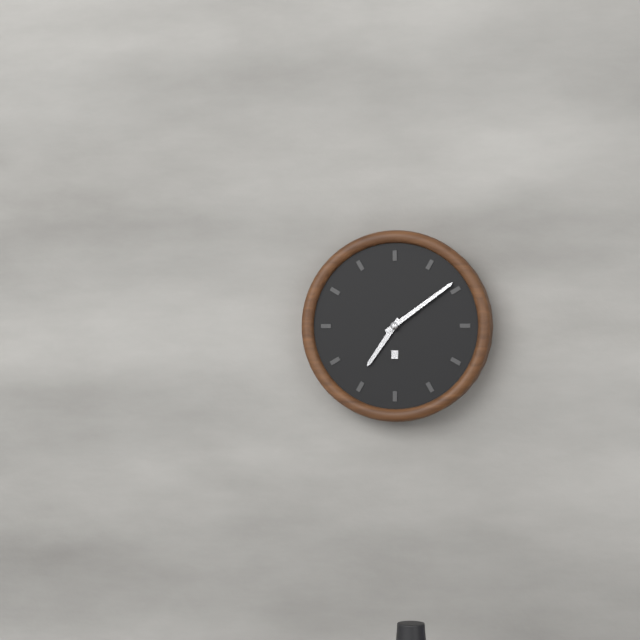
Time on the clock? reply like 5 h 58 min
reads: 7 h 09 min
